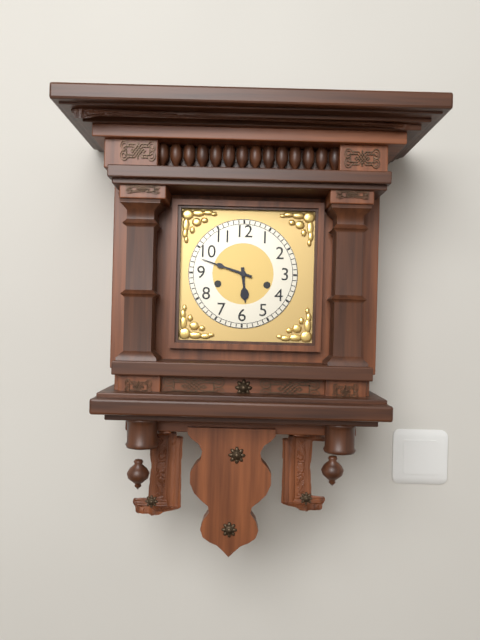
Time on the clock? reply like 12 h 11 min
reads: 5 h 48 min
